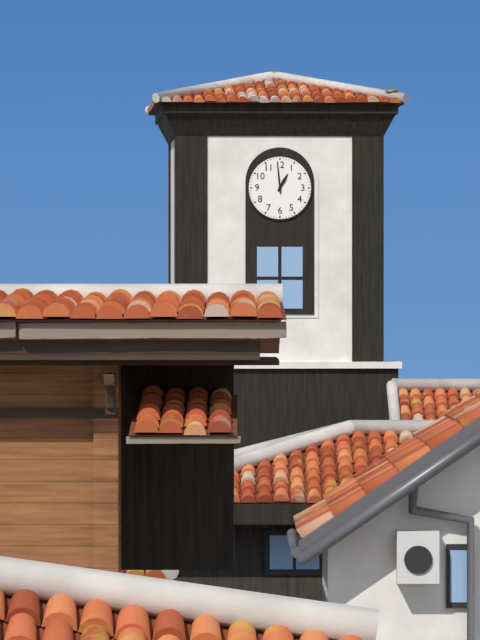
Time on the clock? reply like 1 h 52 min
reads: 12 h 59 min
